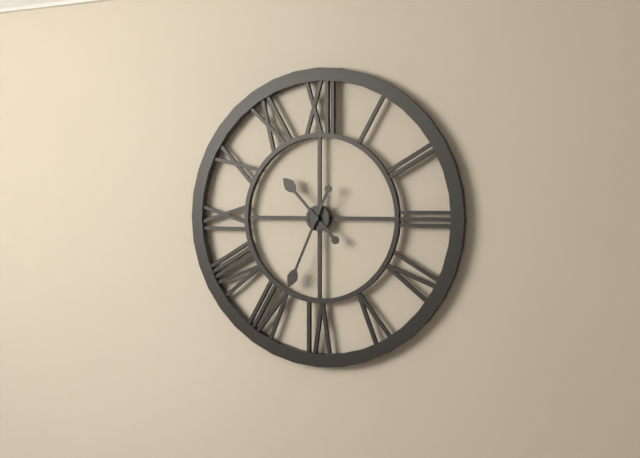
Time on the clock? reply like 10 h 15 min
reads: 10 h 34 min
